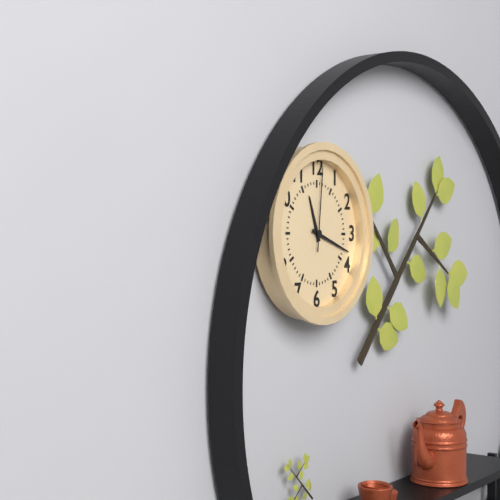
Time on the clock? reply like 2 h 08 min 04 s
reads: 11 h 18 min 01 s
